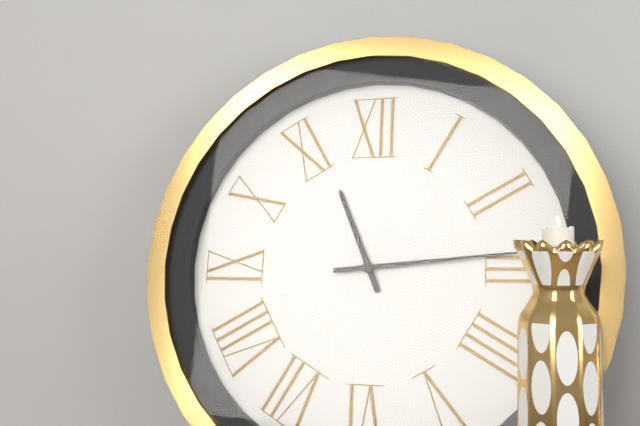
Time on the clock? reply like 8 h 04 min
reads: 11 h 14 min
